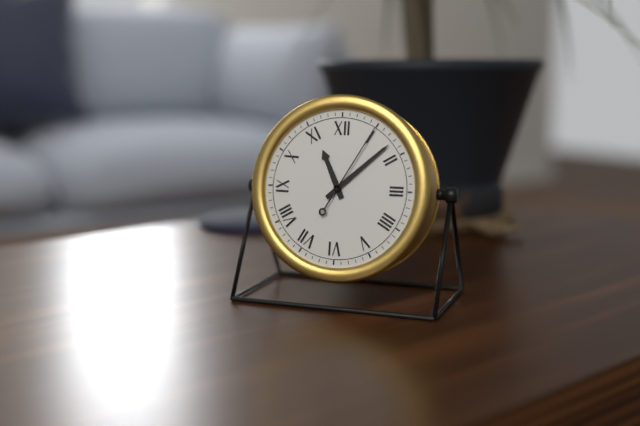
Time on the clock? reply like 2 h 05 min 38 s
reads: 11 h 08 min 05 s
